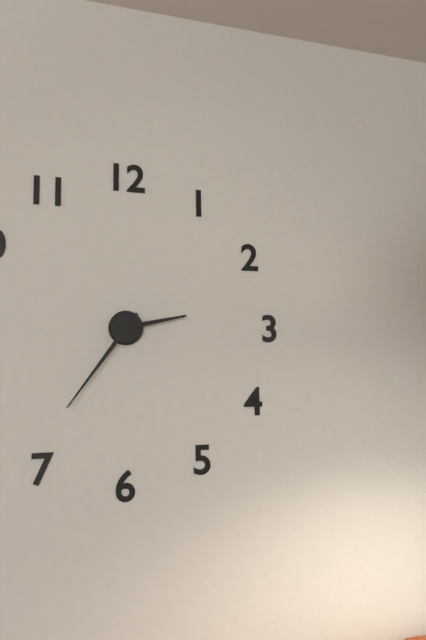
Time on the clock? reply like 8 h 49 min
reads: 2 h 36 min
